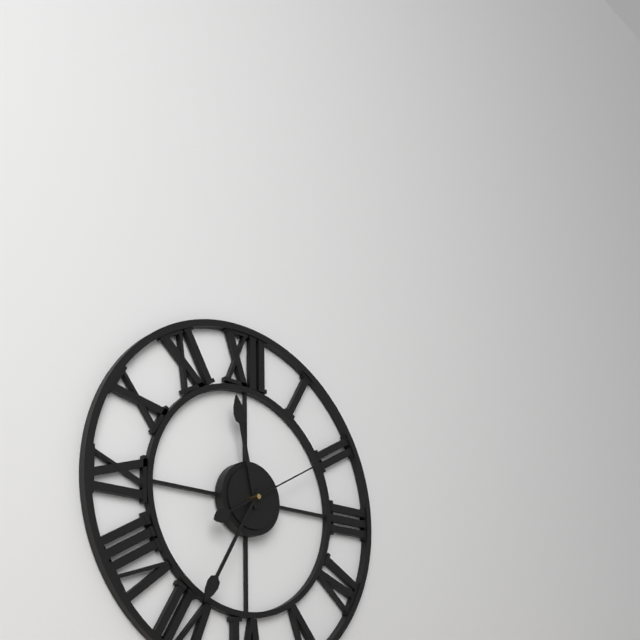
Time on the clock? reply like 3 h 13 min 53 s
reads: 11 h 35 min 10 s
